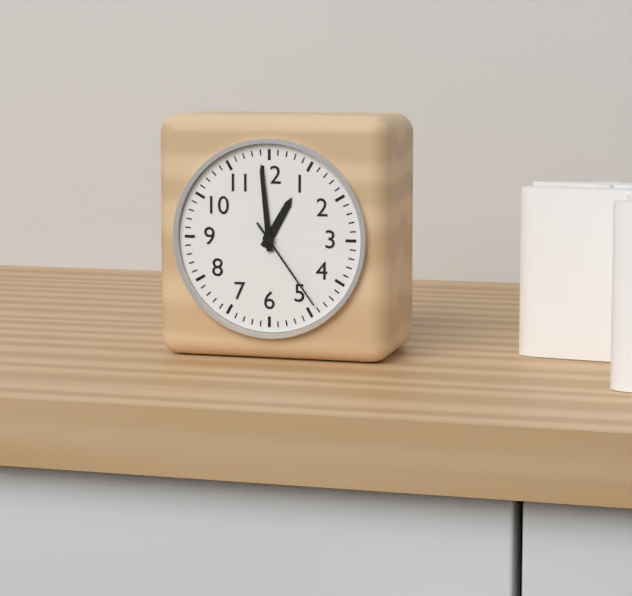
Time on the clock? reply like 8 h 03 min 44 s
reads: 12 h 59 min 24 s
